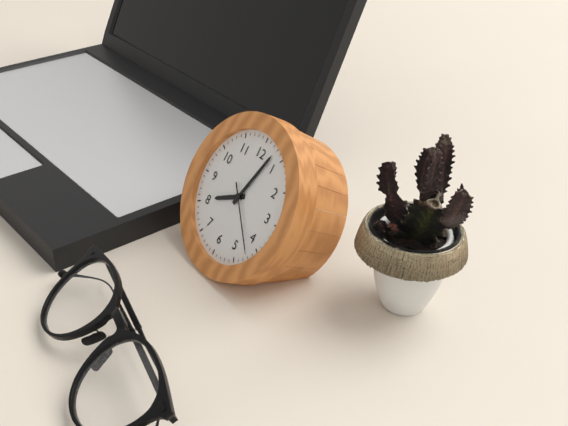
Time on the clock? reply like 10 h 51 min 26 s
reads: 8 h 03 min 22 s
